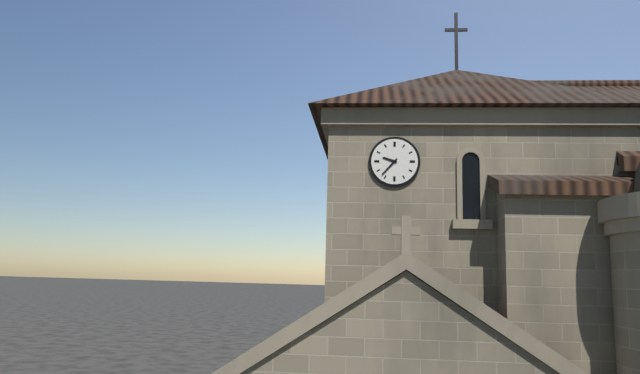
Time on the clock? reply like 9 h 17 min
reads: 9 h 37 min
